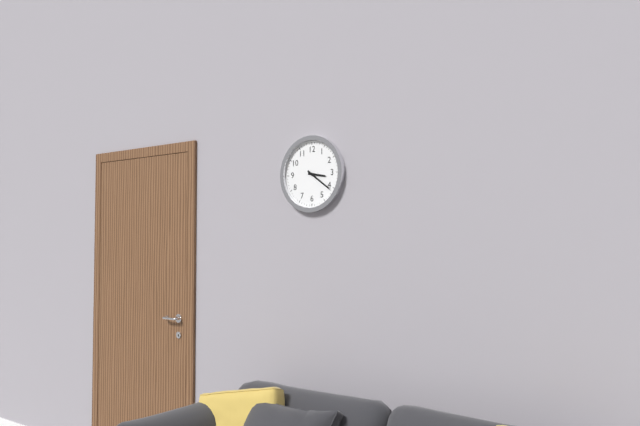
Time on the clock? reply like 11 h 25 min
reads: 3 h 21 min
